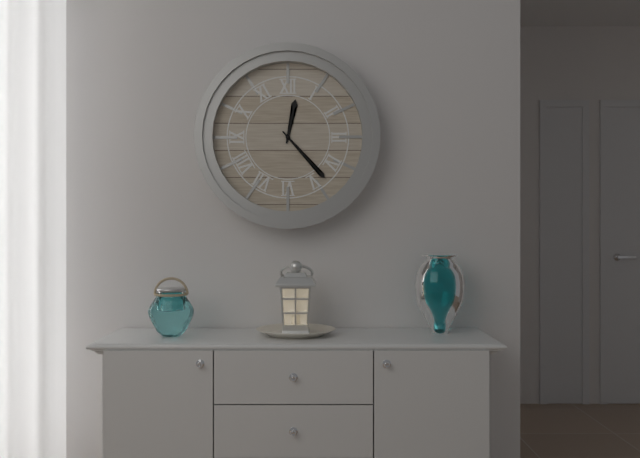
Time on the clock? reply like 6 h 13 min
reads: 12 h 23 min
